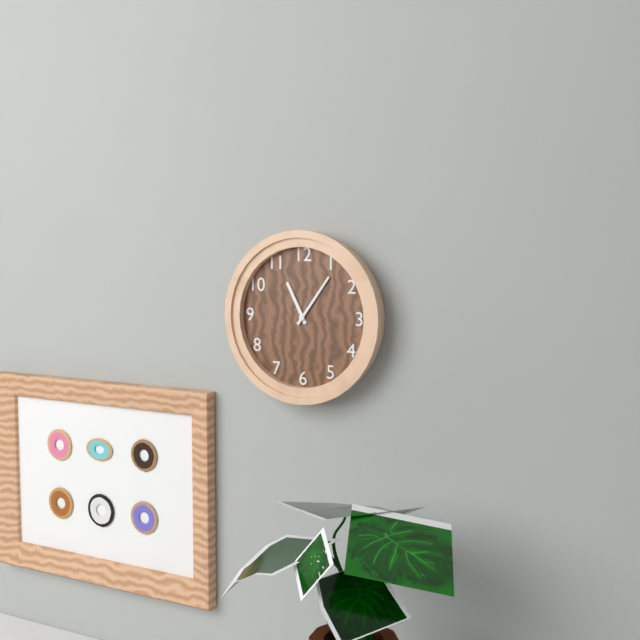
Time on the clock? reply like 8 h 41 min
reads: 11 h 06 min
